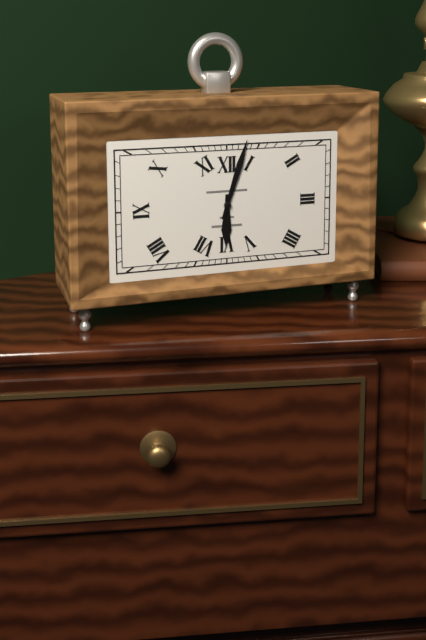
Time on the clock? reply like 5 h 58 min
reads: 6 h 03 min
